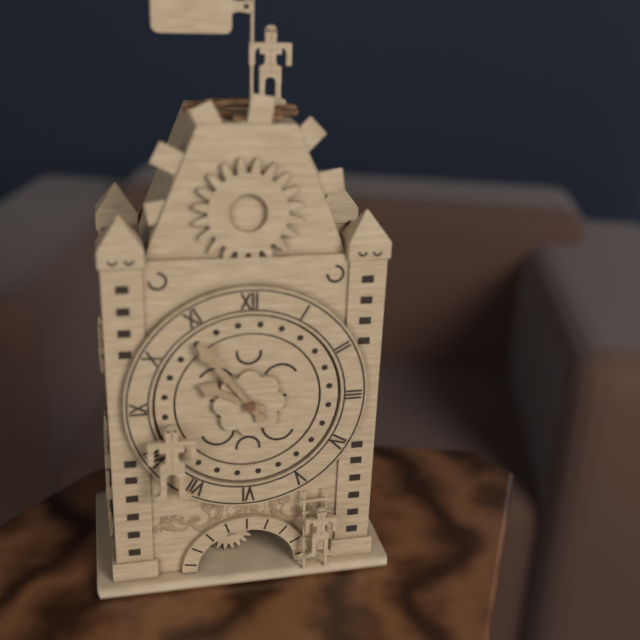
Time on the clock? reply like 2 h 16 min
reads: 9 h 54 min
